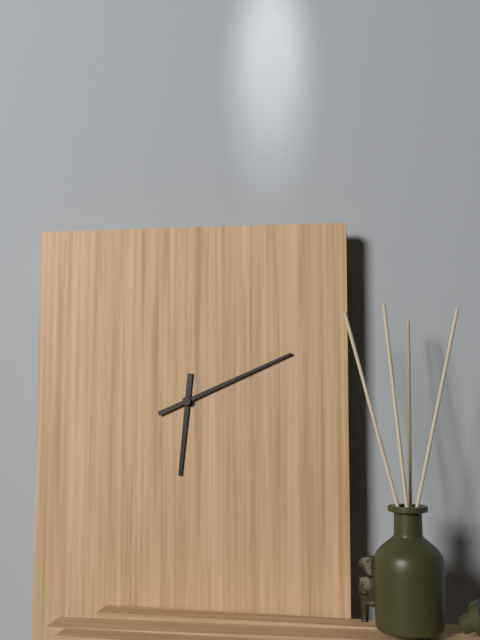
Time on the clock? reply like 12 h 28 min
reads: 6 h 11 min
